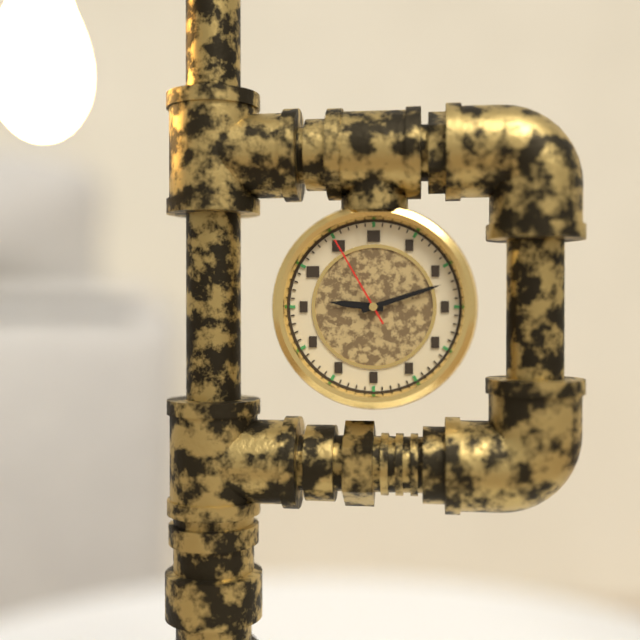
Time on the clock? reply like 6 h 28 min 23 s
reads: 9 h 12 min 55 s
